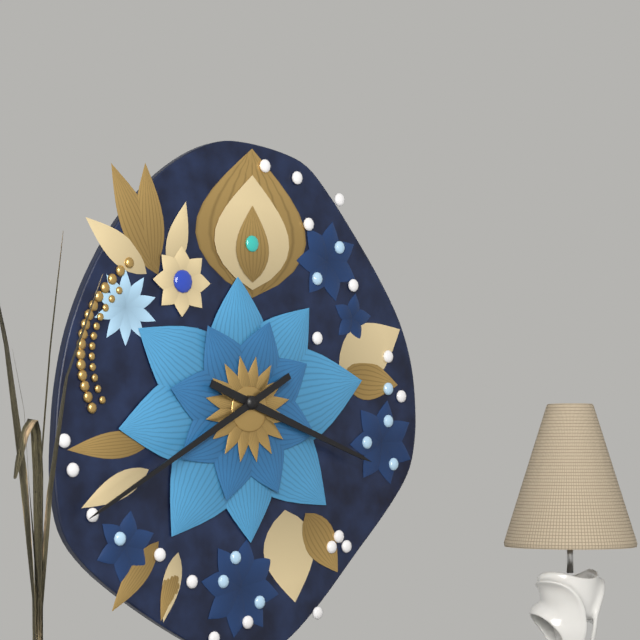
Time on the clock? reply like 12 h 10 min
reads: 3 h 40 min
